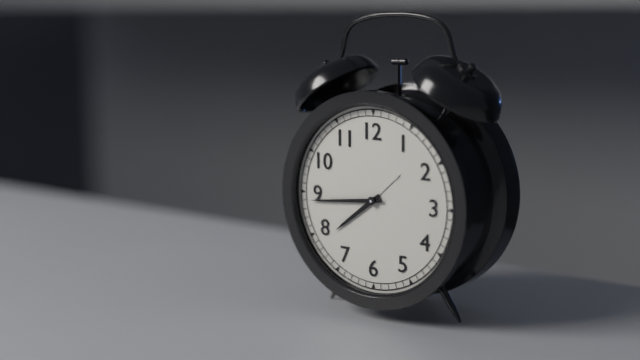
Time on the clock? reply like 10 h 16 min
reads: 7 h 44 min
